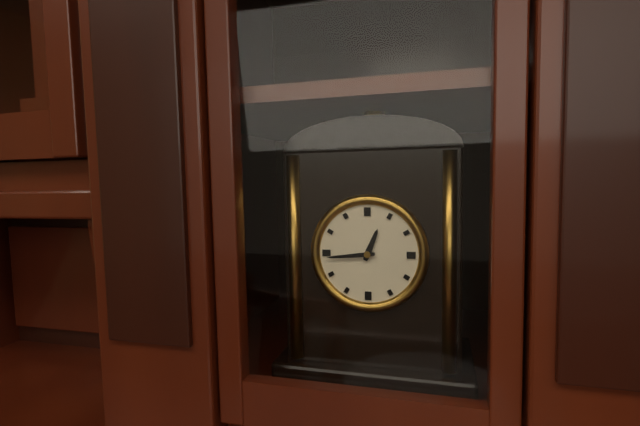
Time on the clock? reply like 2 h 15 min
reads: 12 h 44 min
